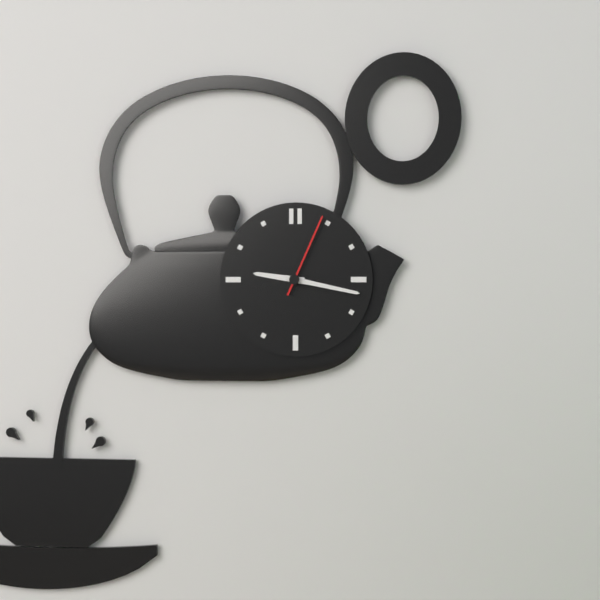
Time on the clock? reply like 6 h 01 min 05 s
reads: 9 h 17 min 04 s
